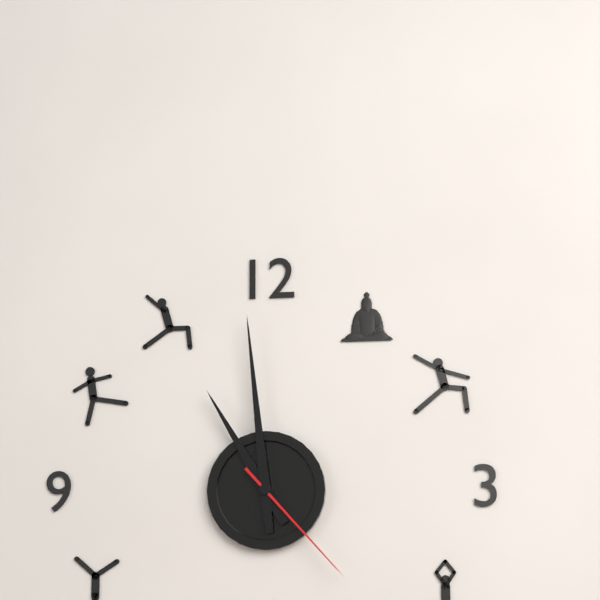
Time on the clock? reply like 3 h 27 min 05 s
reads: 10 h 59 min 23 s
